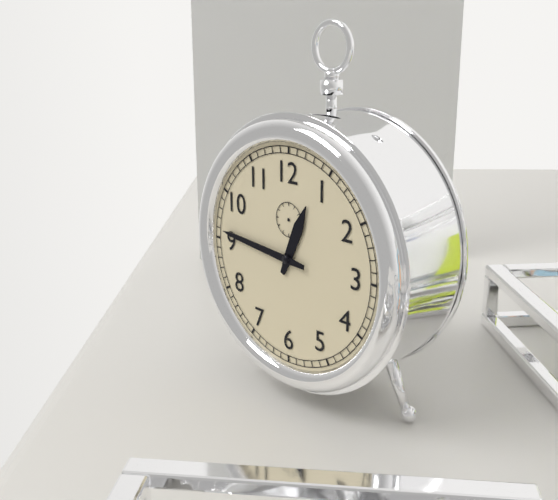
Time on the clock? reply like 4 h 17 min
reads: 12 h 46 min
